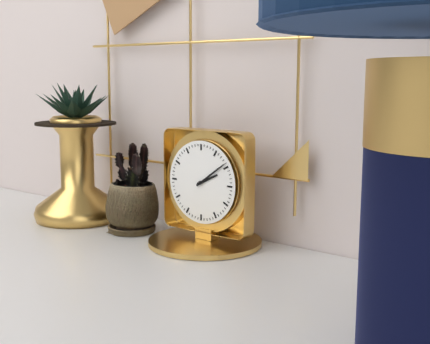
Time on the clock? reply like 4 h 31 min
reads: 2 h 09 min
